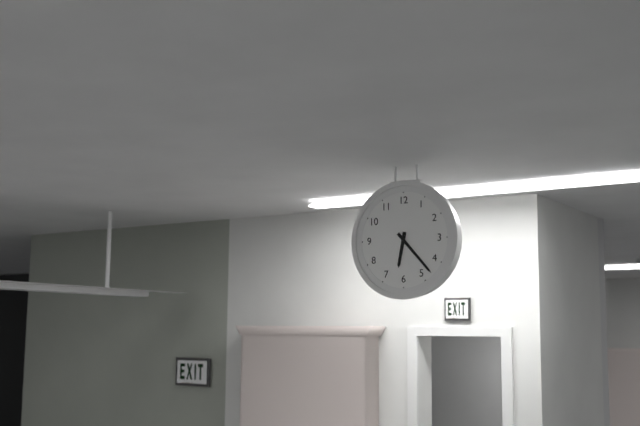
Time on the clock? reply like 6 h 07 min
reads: 6 h 23 min
